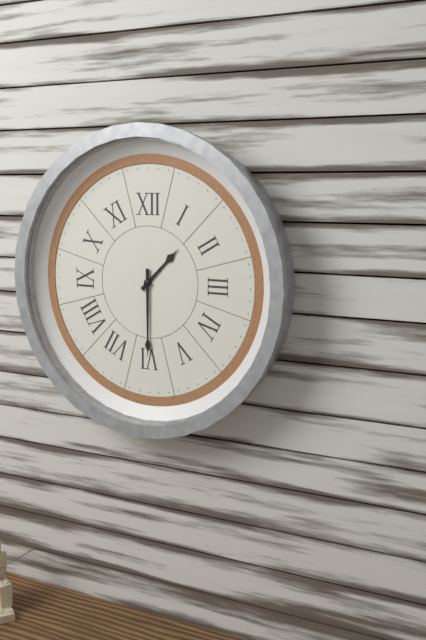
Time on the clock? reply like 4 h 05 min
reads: 1 h 30 min
